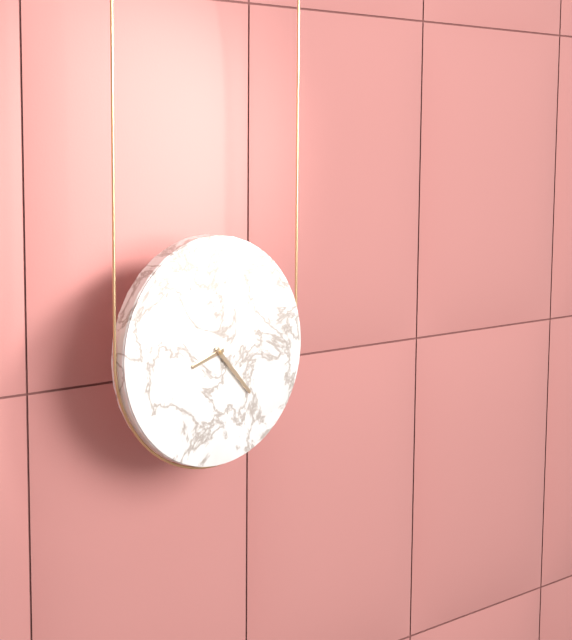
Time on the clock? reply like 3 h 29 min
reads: 8 h 23 min
